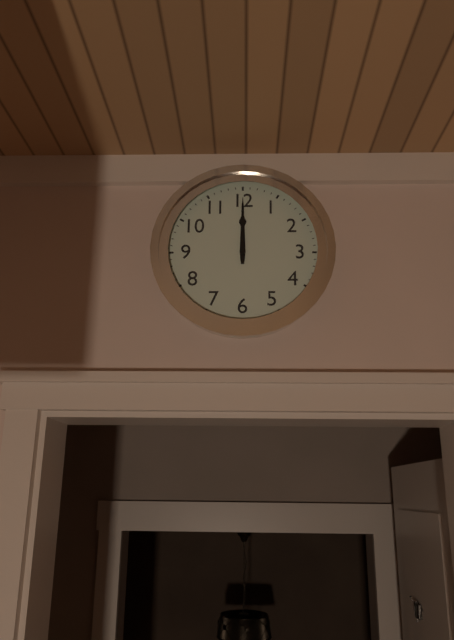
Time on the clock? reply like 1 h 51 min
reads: 12 h 00 min
